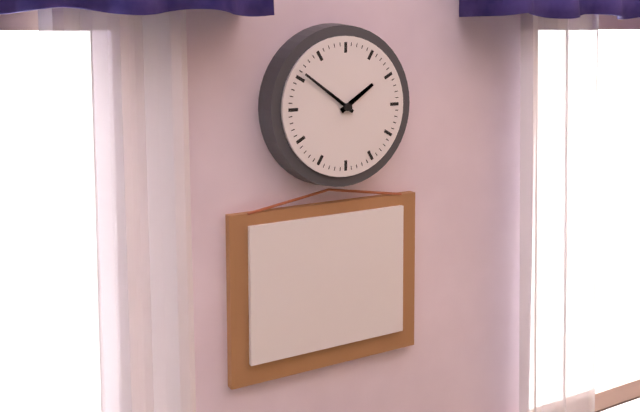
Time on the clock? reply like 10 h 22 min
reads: 1 h 51 min
